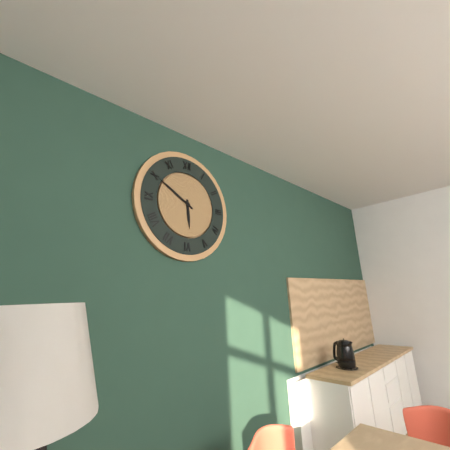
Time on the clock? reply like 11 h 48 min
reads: 5 h 50 min
